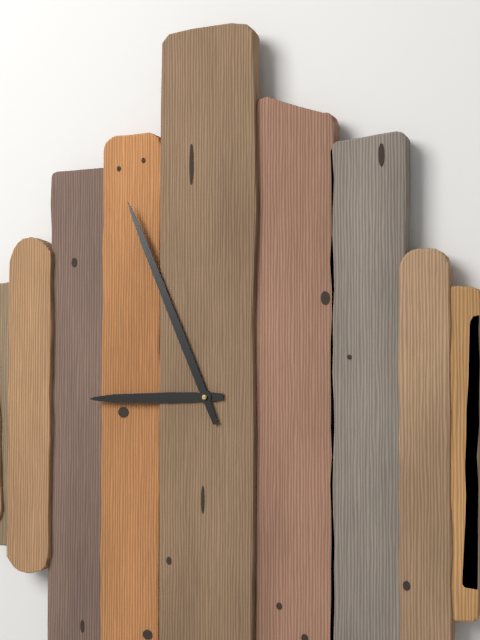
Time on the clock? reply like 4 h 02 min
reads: 8 h 56 min
